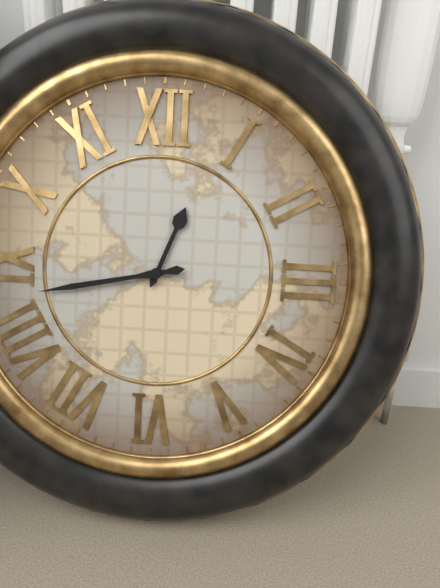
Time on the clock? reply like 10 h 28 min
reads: 12 h 43 min
